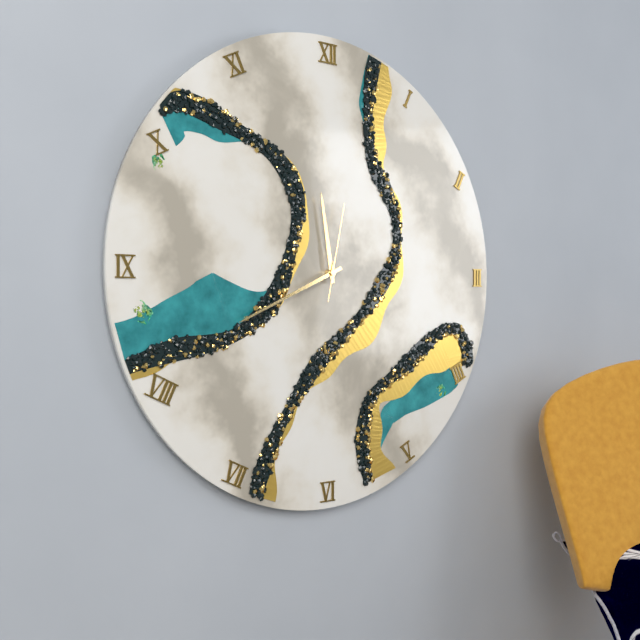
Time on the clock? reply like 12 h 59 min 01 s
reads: 11 h 41 min 02 s
